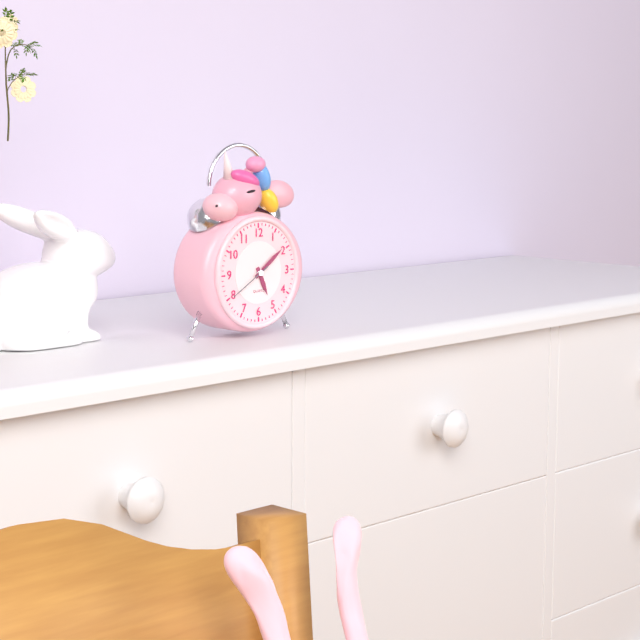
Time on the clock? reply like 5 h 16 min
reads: 5 h 09 min
